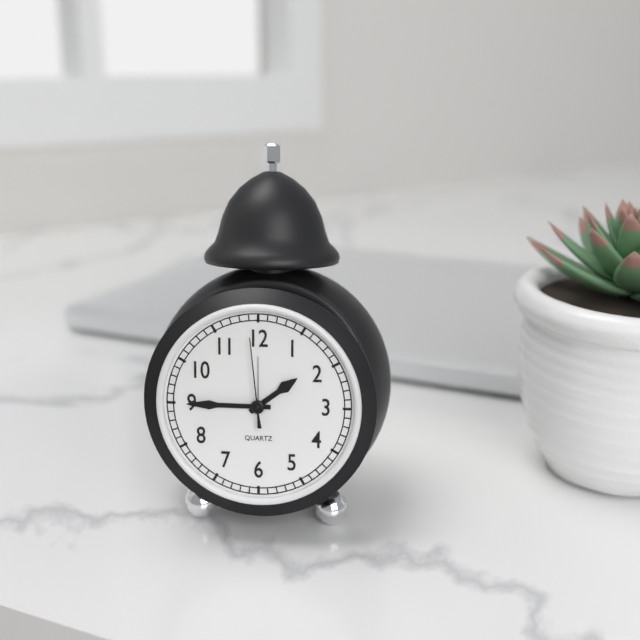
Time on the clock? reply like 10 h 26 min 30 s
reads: 1 h 45 min 59 s
